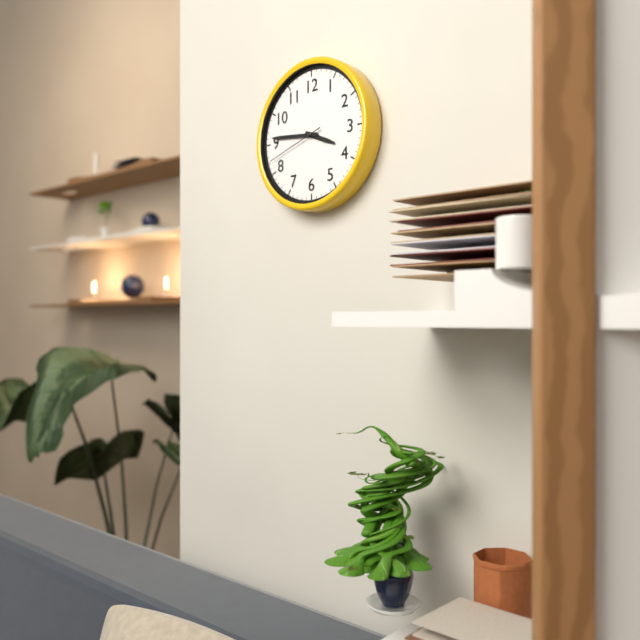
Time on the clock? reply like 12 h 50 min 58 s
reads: 3 h 46 min 42 s
